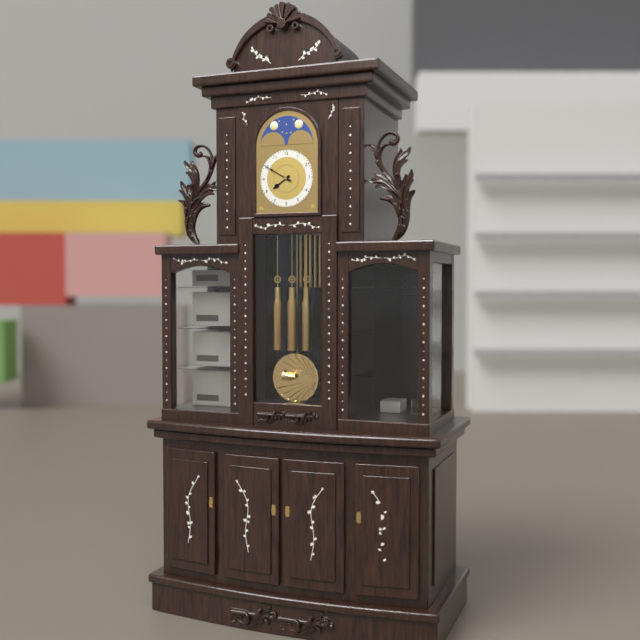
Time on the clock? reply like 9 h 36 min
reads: 7 h 50 min
